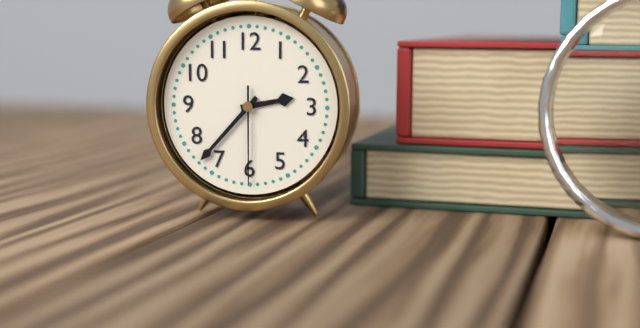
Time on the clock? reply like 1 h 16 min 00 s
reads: 2 h 37 min 30 s
